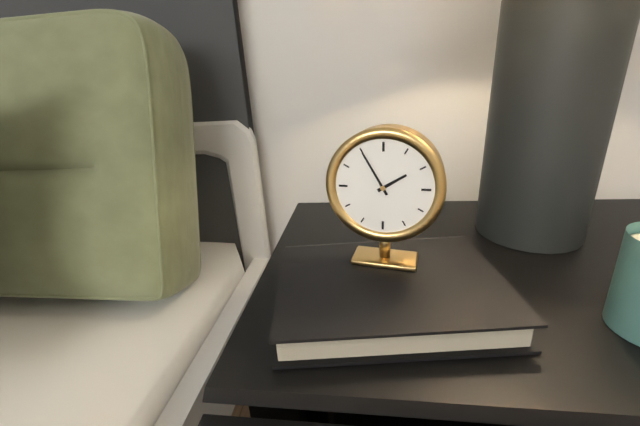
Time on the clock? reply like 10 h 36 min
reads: 1 h 55 min
